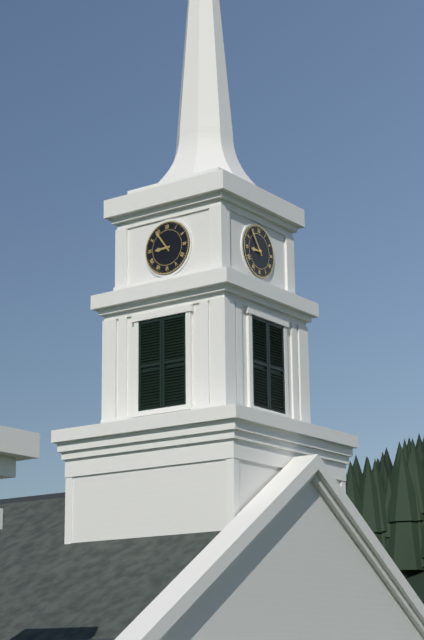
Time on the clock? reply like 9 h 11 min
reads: 8 h 54 min
